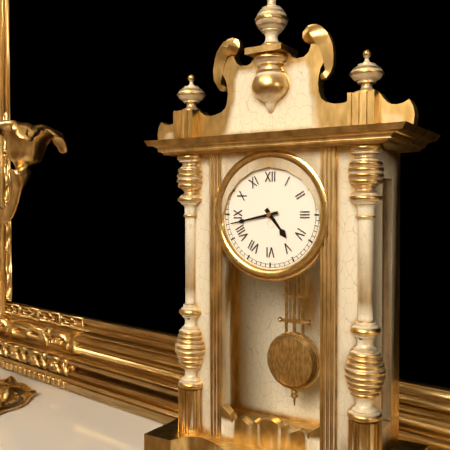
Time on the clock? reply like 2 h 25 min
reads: 4 h 43 min
